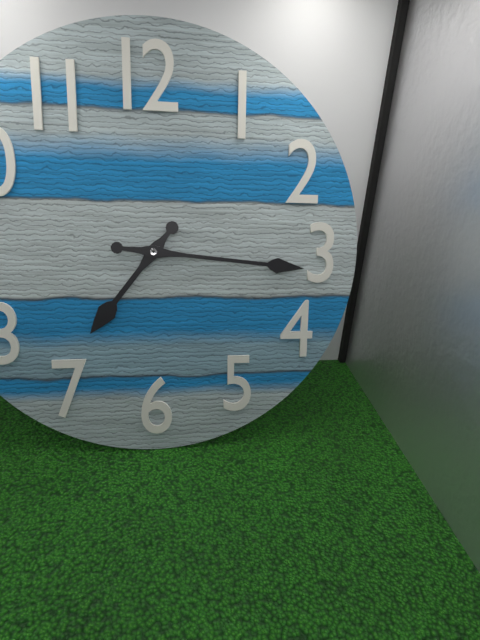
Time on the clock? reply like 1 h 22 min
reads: 7 h 16 min
